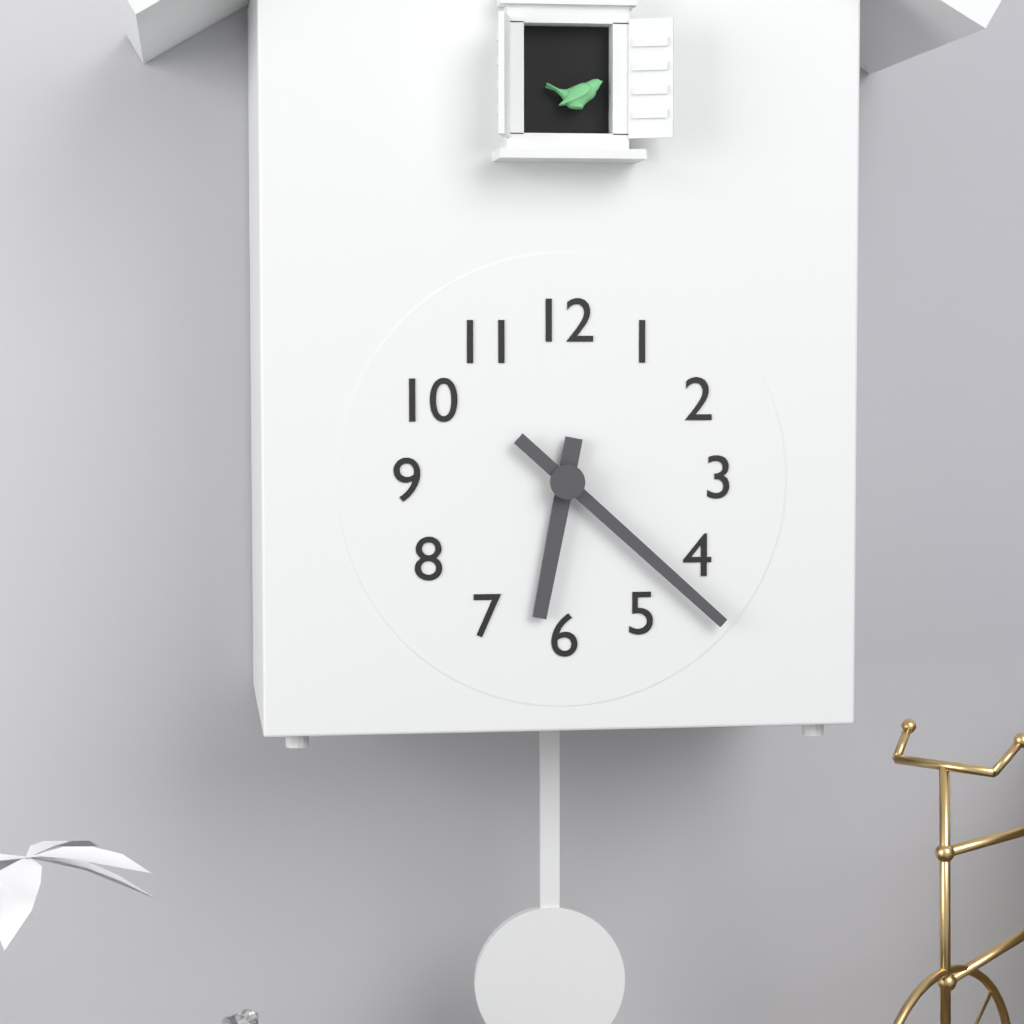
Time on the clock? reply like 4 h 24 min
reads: 6 h 22 min
